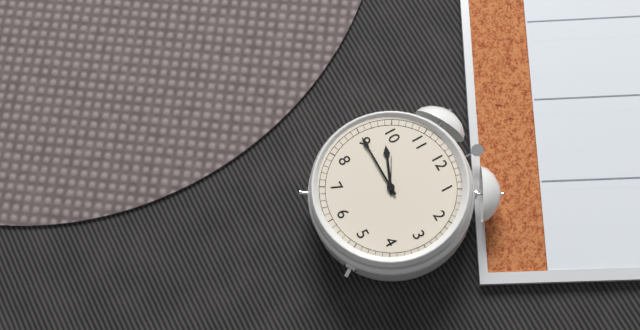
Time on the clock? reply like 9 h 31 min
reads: 9 h 45 min
